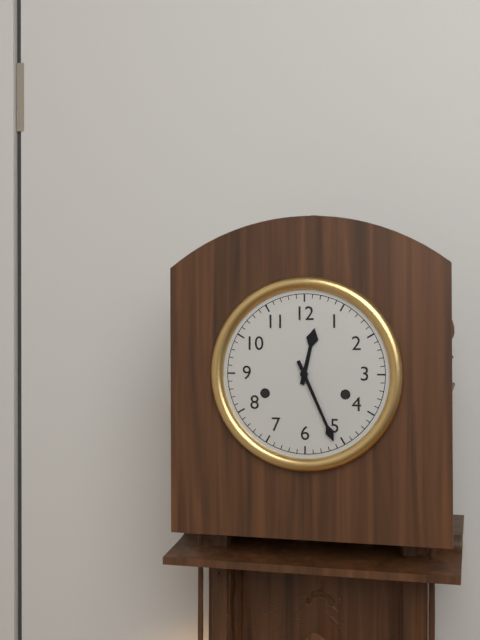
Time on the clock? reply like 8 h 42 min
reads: 12 h 26 min
